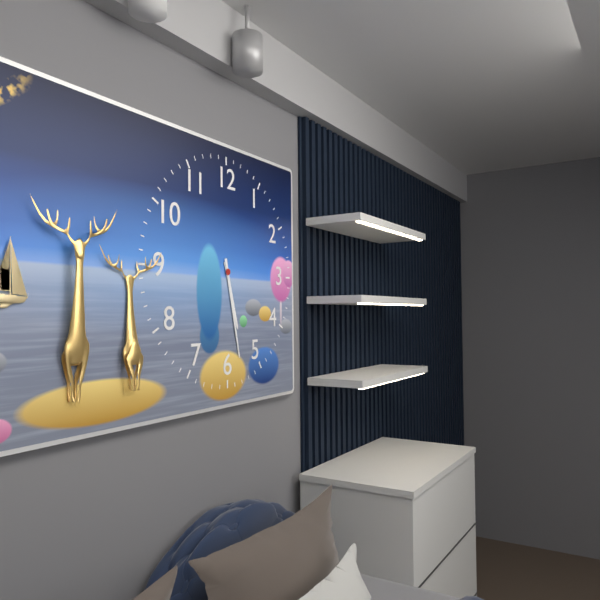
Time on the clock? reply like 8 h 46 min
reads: 5 h 28 min
